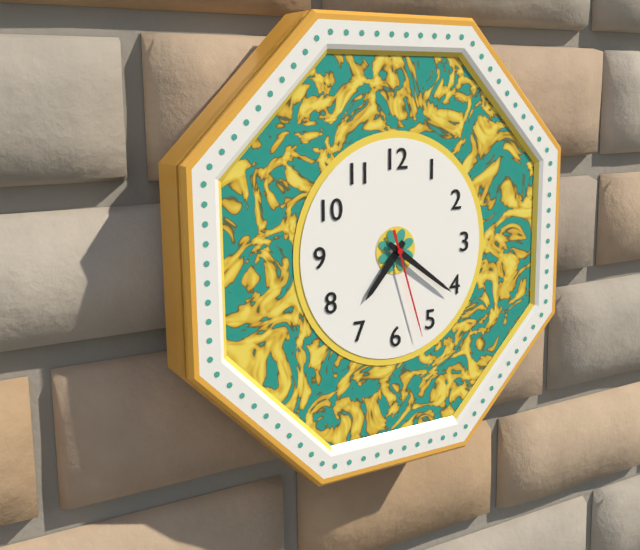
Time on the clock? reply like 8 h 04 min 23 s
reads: 7 h 21 min 27 s
